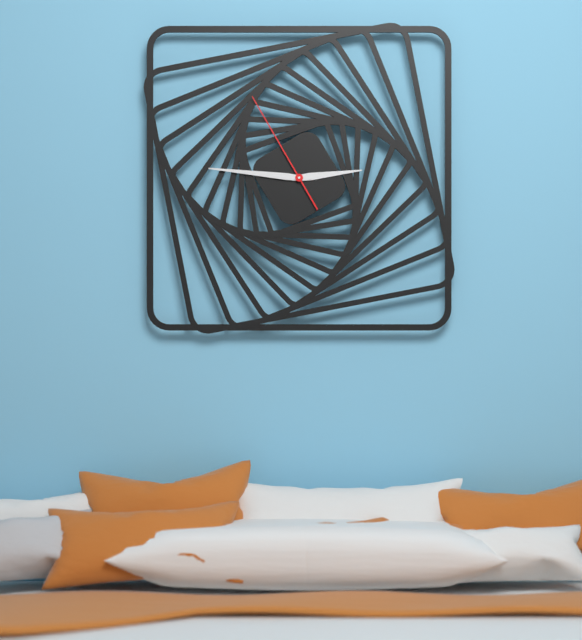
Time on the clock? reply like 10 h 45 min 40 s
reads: 2 h 46 min 55 s
